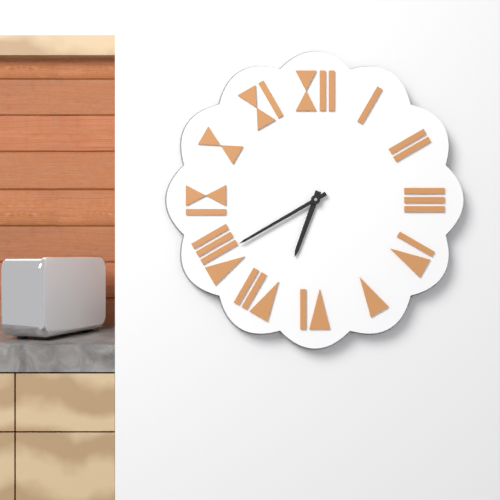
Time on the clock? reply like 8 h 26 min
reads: 6 h 40 min
